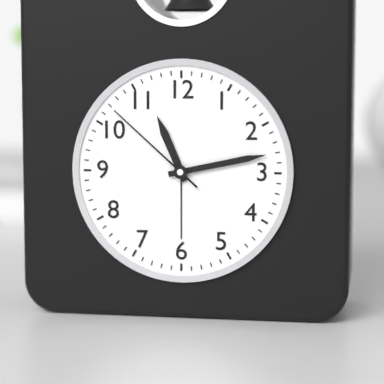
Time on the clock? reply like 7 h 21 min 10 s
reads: 11 h 13 min 52 s
